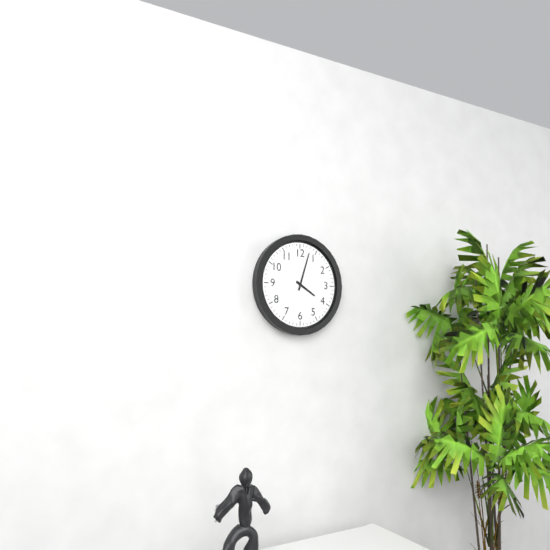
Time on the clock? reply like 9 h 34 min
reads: 4 h 03 min
